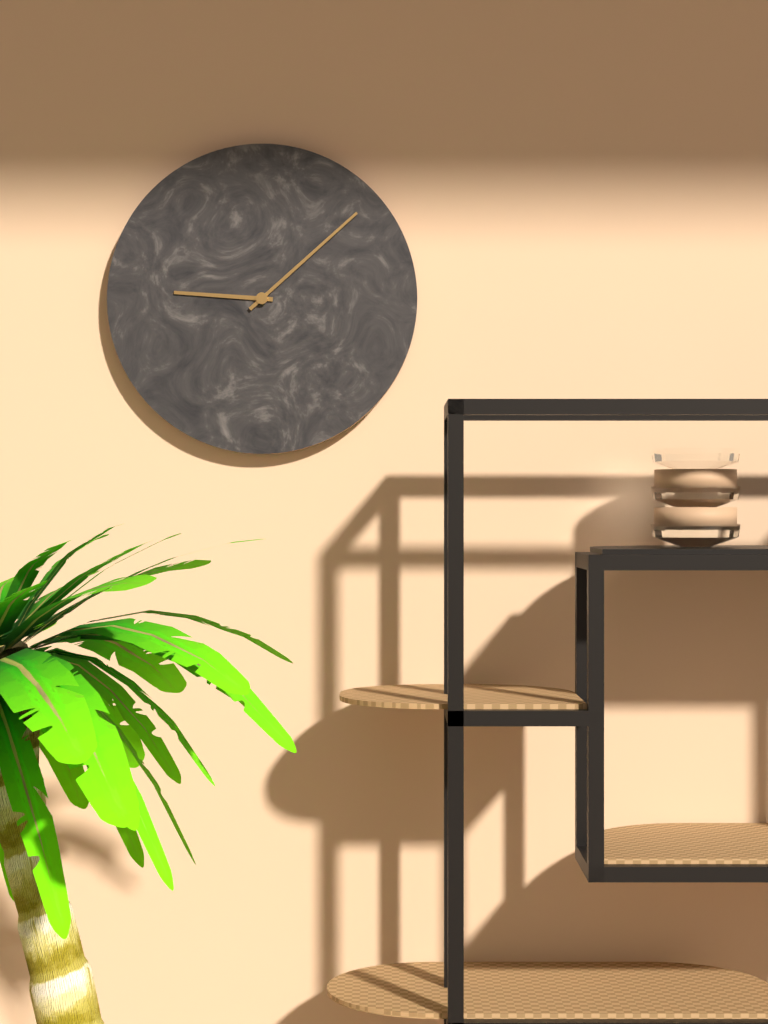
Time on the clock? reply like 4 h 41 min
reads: 9 h 08 min
